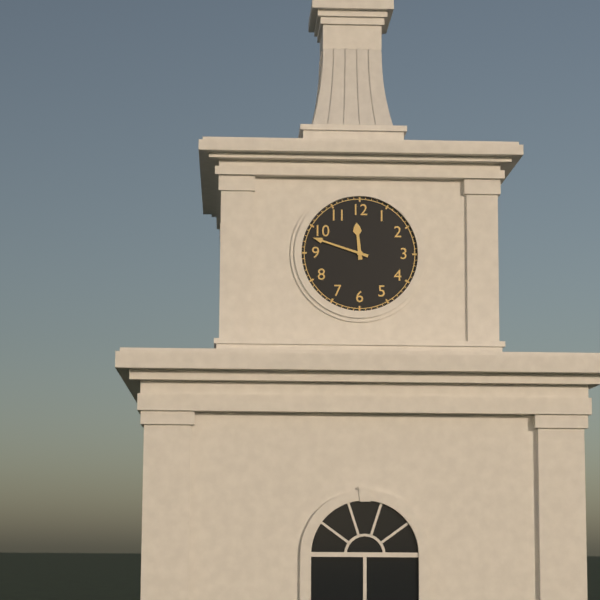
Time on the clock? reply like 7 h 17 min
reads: 11 h 48 min
